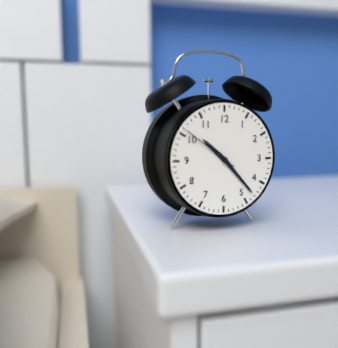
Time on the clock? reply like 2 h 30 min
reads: 10 h 23 min
